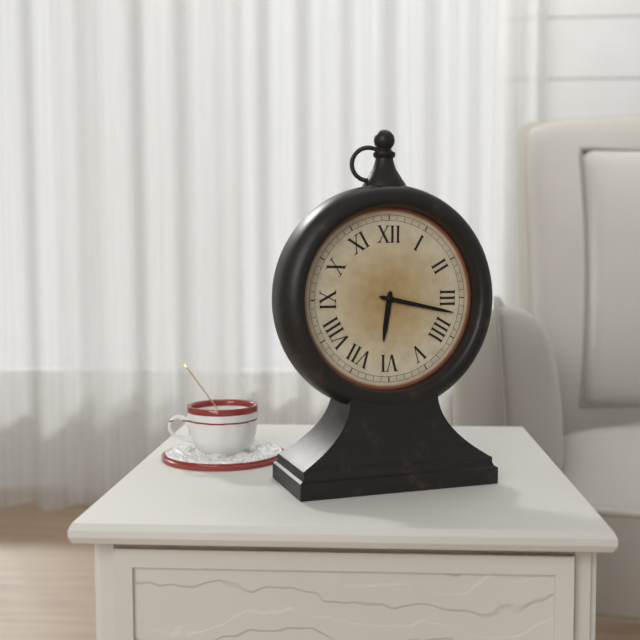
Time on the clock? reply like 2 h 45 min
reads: 6 h 17 min
